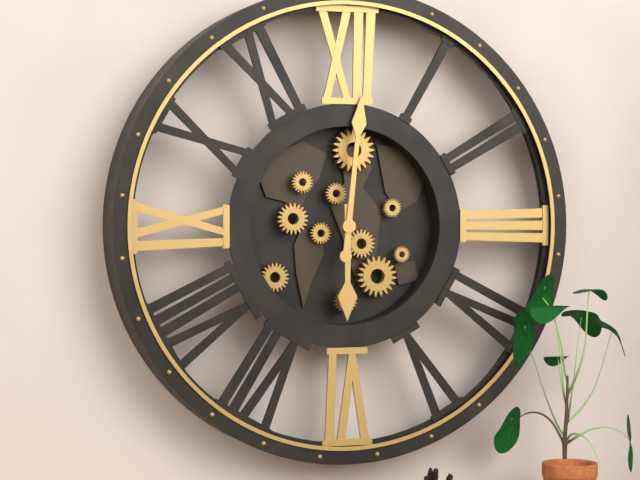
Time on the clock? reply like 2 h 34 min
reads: 6 h 01 min
